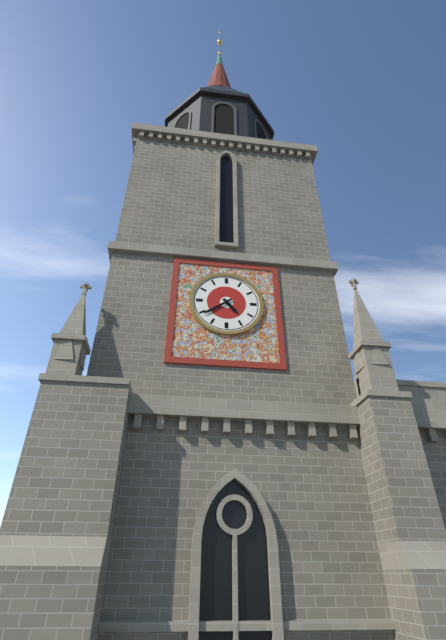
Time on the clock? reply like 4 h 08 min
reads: 4 h 39 min
